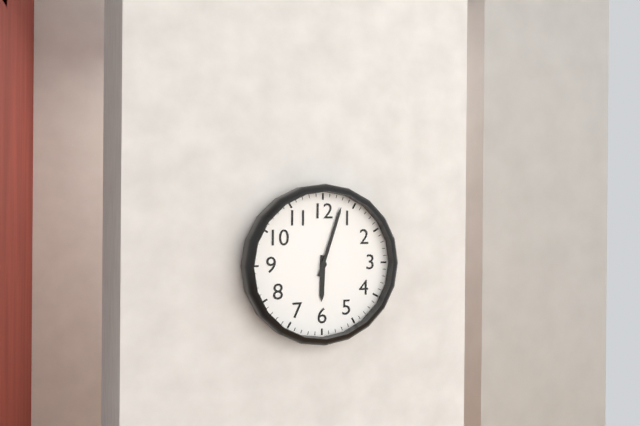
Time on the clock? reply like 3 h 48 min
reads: 6 h 03 min
